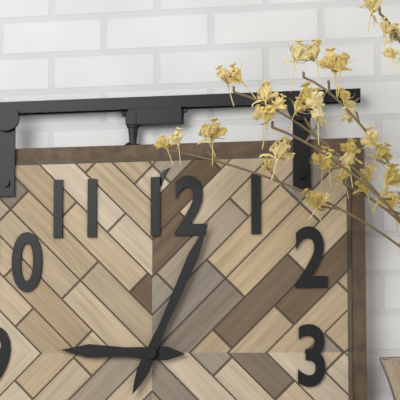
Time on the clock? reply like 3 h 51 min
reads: 9 h 04 min
